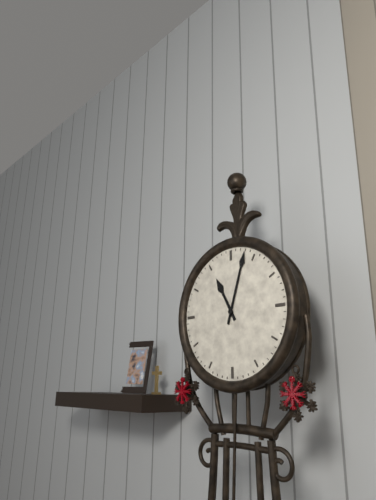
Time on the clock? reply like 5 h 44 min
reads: 11 h 03 min
